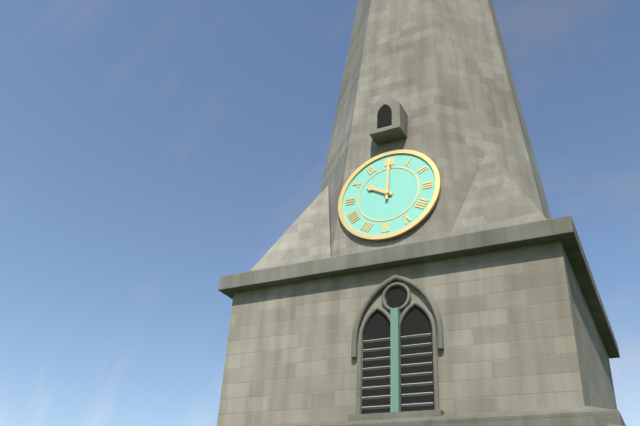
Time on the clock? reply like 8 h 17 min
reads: 10 h 00 min
